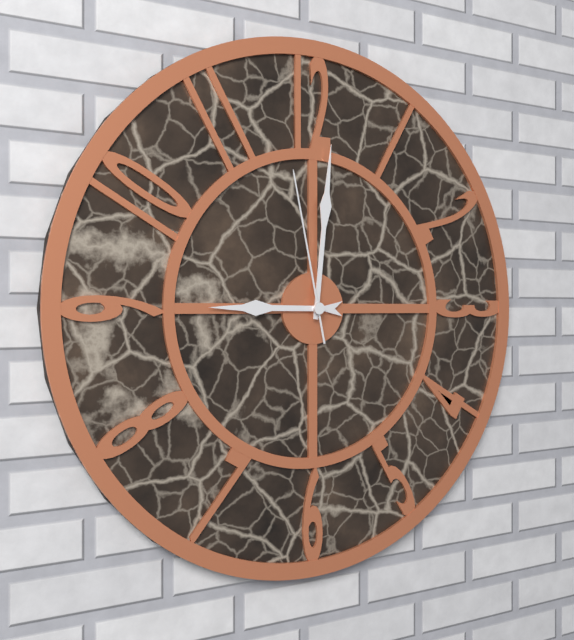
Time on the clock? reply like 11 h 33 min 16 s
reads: 9 h 01 min 58 s
